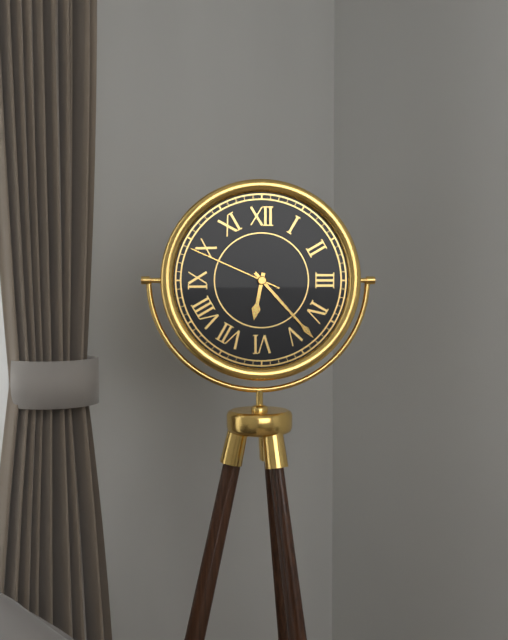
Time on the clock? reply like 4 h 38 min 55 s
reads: 6 h 23 min 49 s
